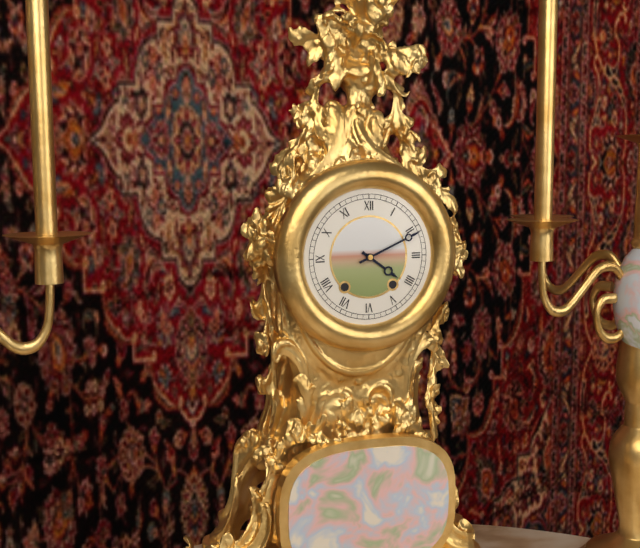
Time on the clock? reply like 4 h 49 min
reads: 4 h 11 min
